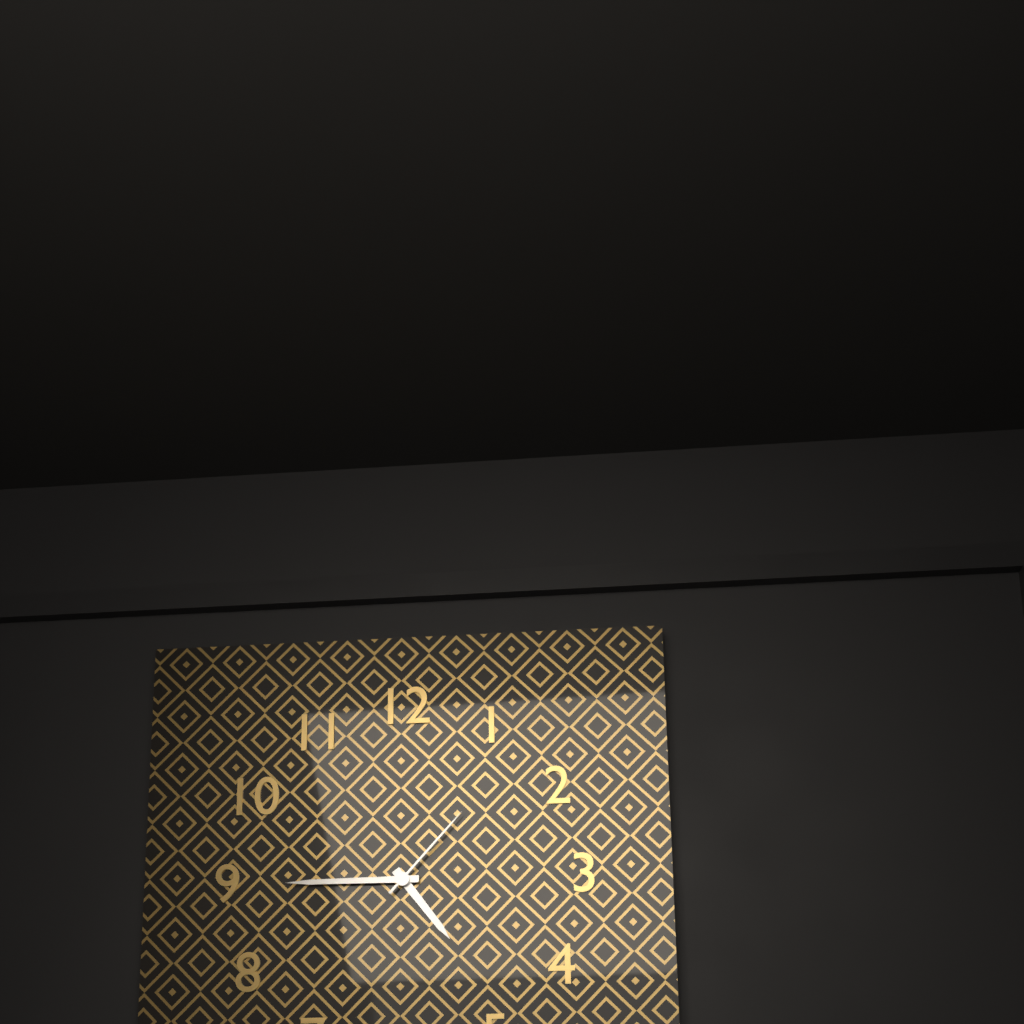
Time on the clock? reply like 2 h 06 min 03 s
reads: 4 h 45 min 07 s
